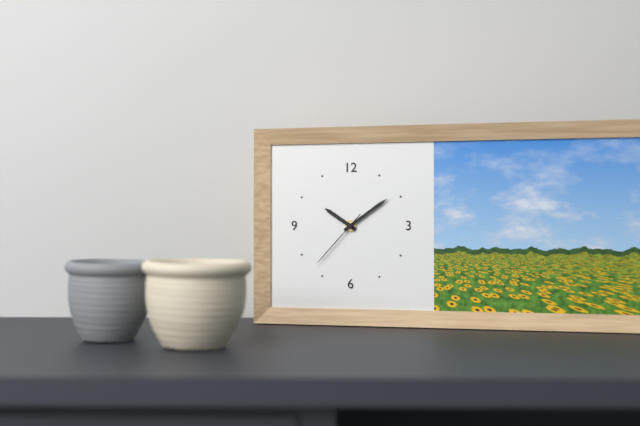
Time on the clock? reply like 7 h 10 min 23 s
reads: 10 h 09 min 37 s
